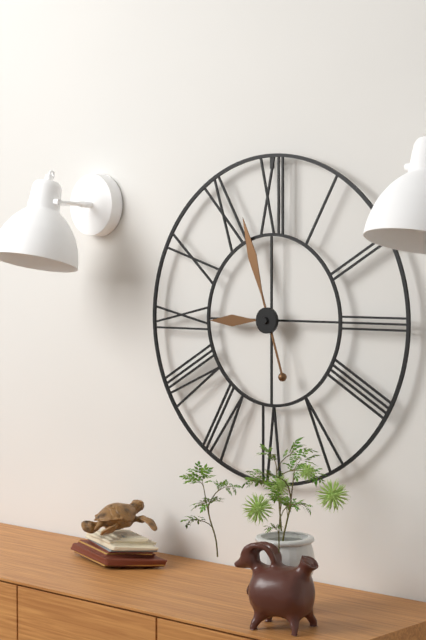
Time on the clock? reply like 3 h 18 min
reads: 8 h 57 min
